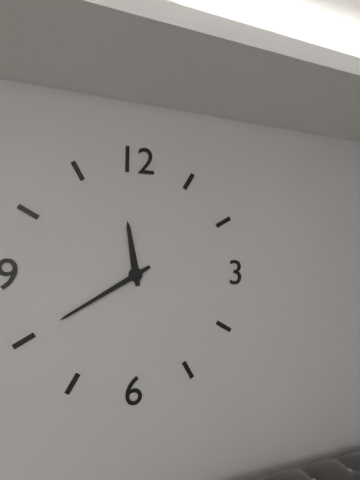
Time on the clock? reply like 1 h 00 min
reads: 11 h 40 min
